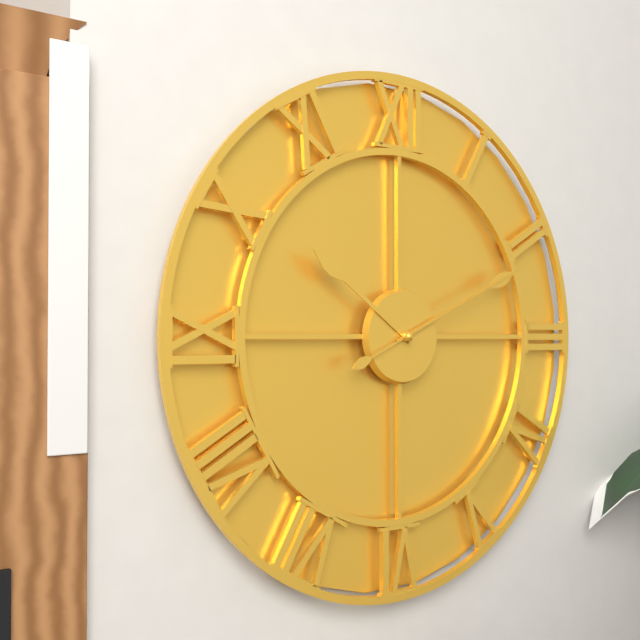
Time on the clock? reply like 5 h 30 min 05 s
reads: 10 h 11 min 11 s
